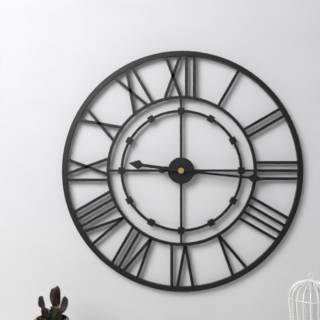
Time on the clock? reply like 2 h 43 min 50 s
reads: 9 h 16 min 15 s
